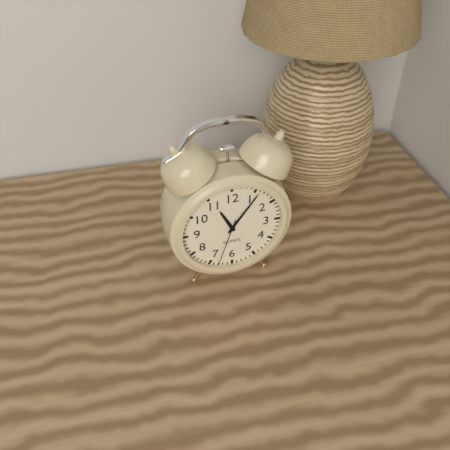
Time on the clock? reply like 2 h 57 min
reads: 11 h 06 min
